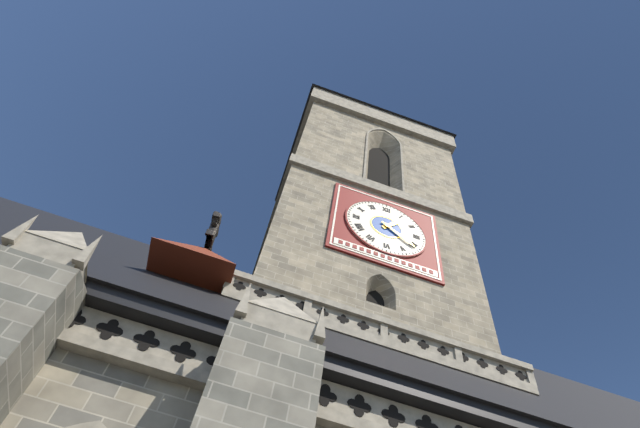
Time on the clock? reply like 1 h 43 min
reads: 1 h 21 min
